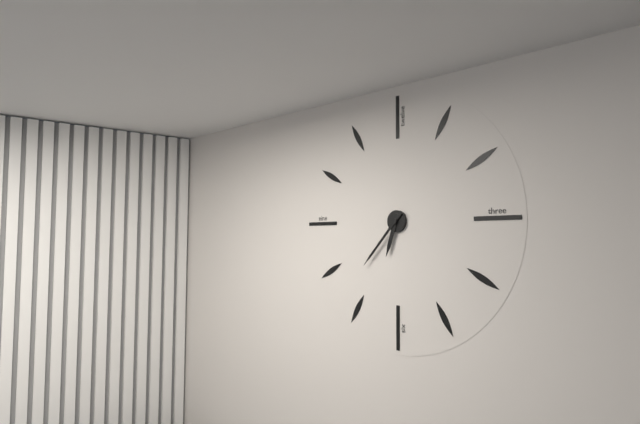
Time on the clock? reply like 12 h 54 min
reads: 6 h 37 min
